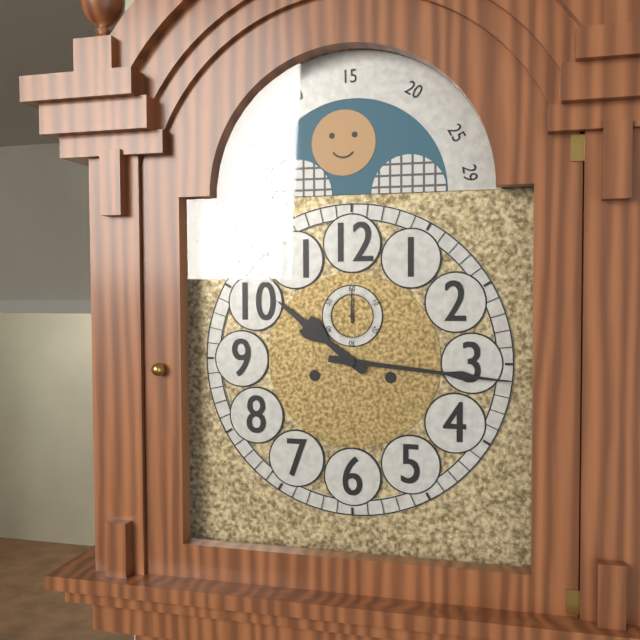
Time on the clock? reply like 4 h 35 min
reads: 10 h 16 min
